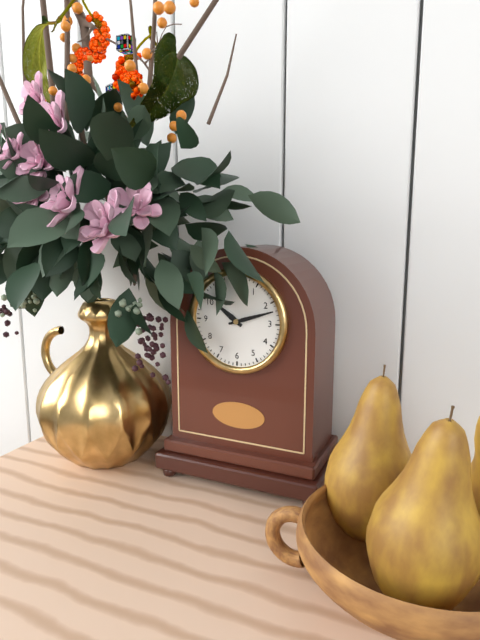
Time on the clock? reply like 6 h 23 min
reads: 10 h 12 min
